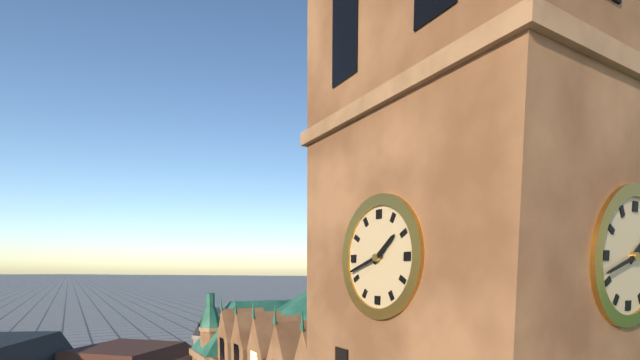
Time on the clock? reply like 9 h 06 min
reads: 1 h 42 min
